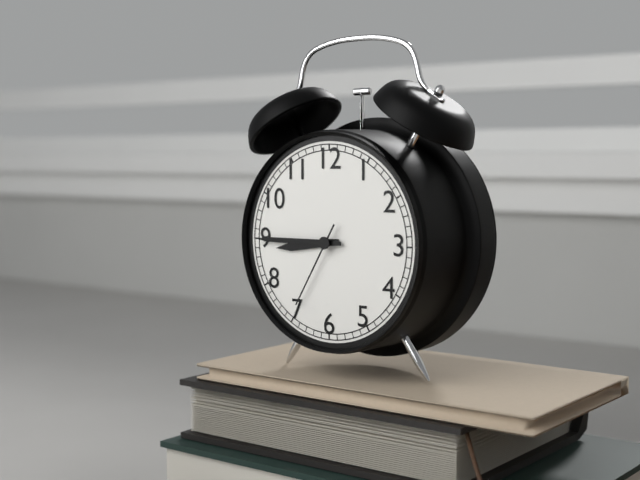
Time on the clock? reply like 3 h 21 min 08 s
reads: 8 h 45 min 35 s
